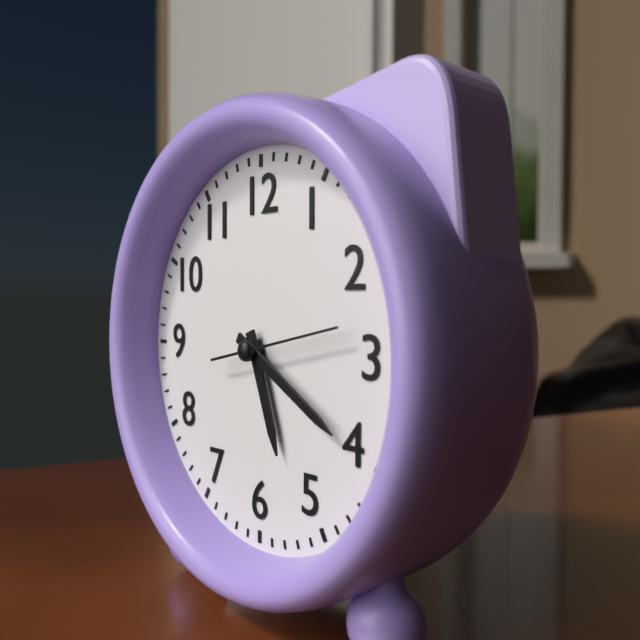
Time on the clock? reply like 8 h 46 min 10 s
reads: 5 h 20 min 13 s
